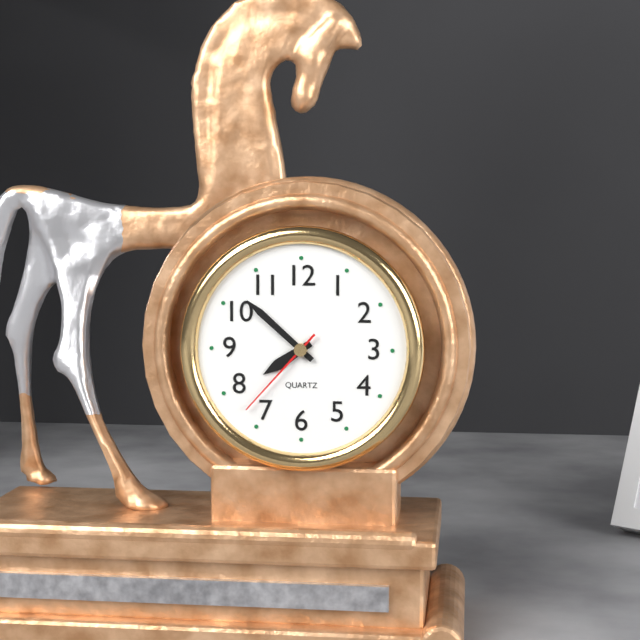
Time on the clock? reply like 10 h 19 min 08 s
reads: 7 h 52 min 37 s
